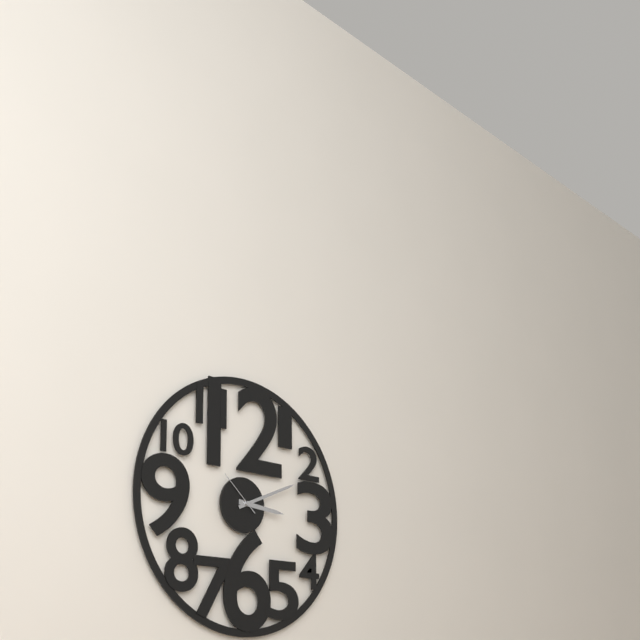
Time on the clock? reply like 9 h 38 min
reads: 3 h 11 min
